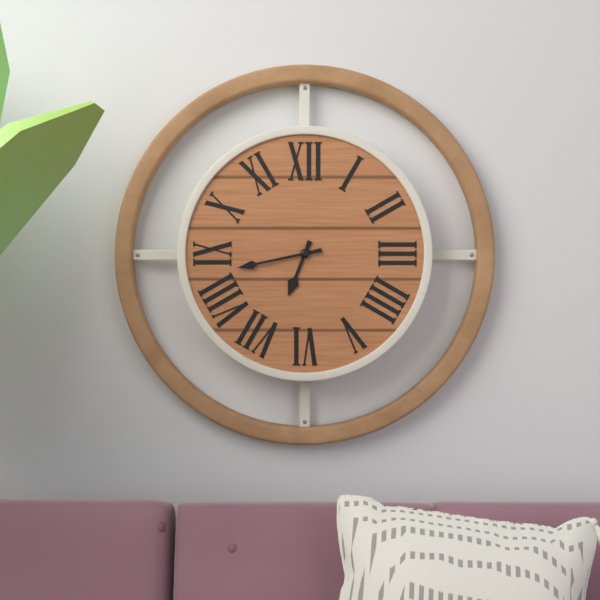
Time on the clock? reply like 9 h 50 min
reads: 6 h 43 min
